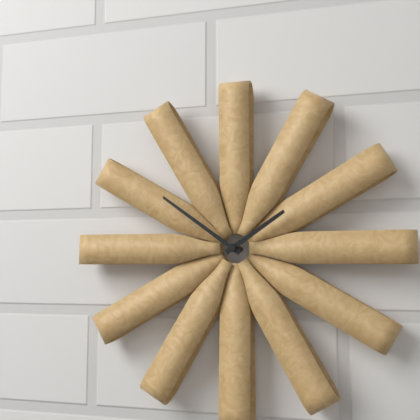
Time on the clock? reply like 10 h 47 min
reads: 1 h 51 min
